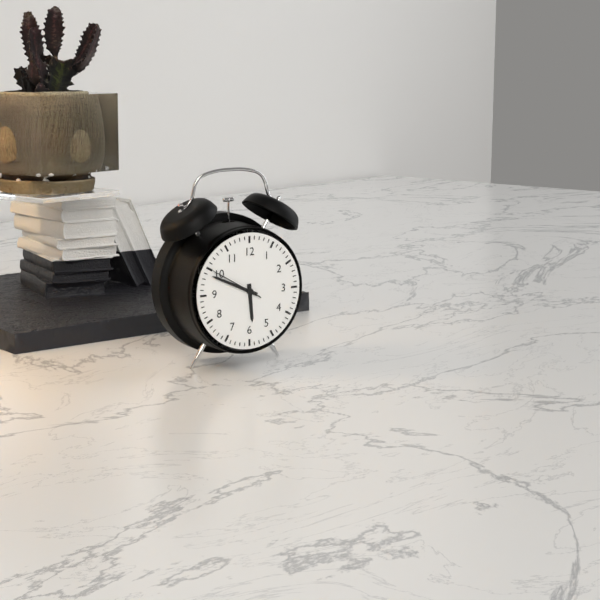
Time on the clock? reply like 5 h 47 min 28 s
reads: 5 h 49 min 50 s
